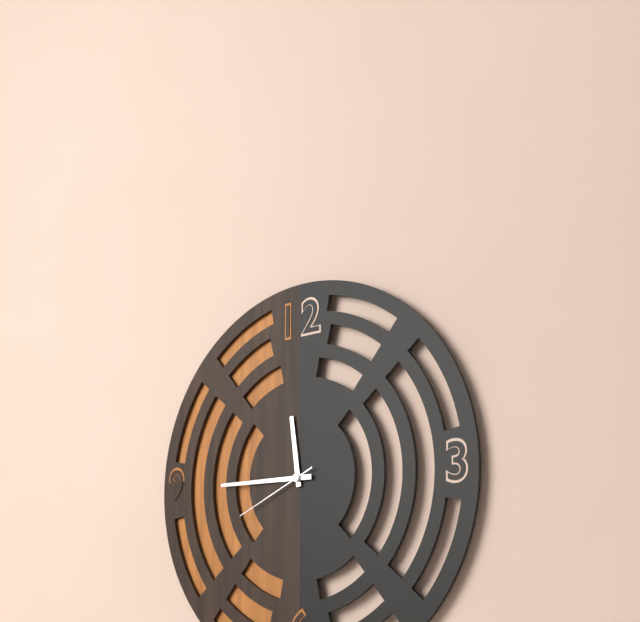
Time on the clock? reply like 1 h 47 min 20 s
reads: 11 h 45 min 41 s
